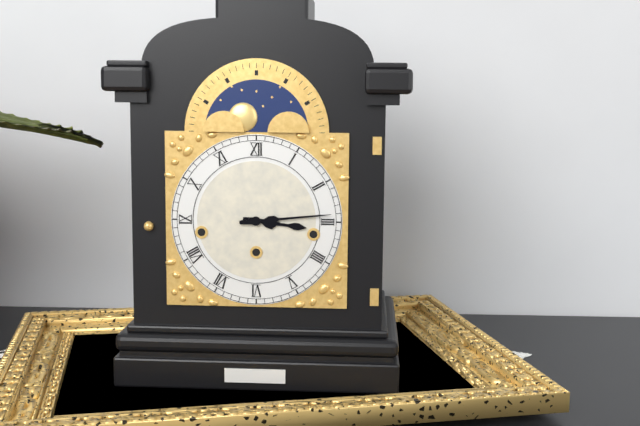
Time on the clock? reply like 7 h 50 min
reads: 3 h 14 min
